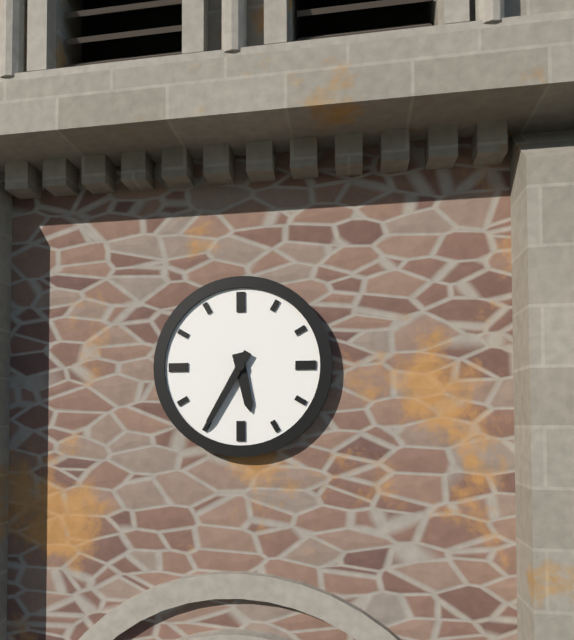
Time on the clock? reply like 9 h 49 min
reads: 5 h 35 min
